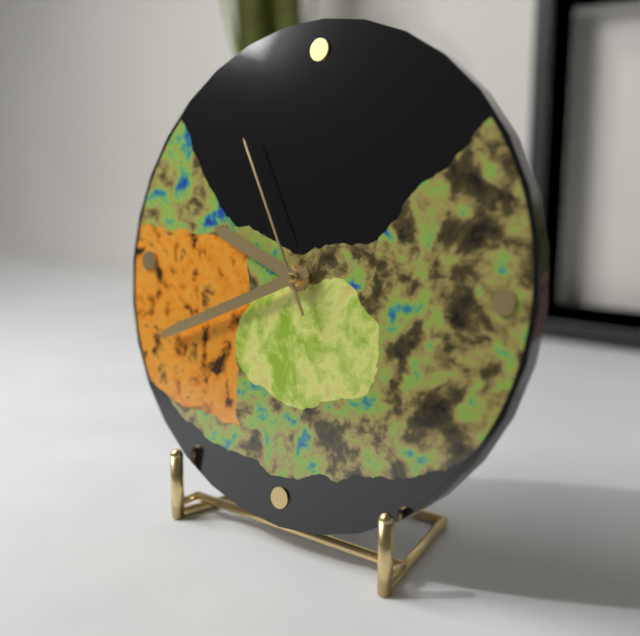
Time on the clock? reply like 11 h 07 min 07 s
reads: 9 h 41 min 55 s
